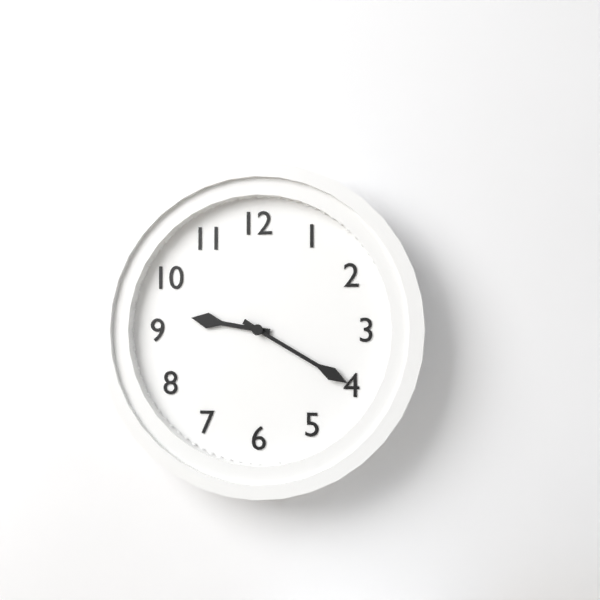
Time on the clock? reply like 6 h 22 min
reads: 9 h 20 min
